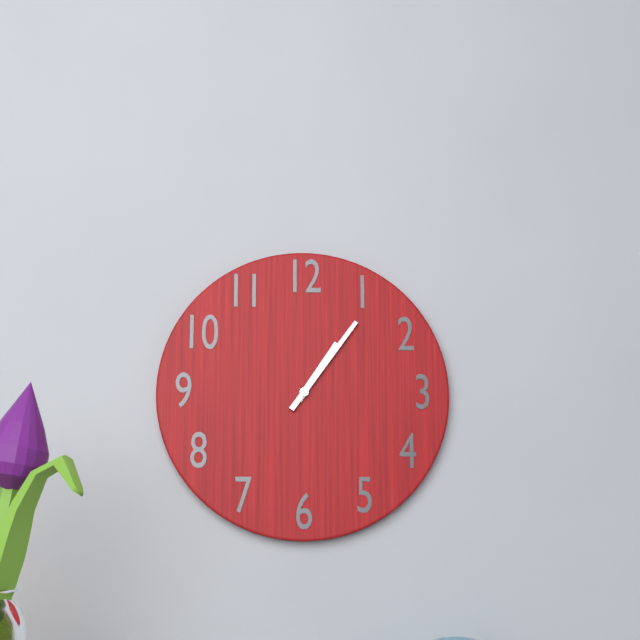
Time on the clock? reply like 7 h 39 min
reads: 1 h 06 min
